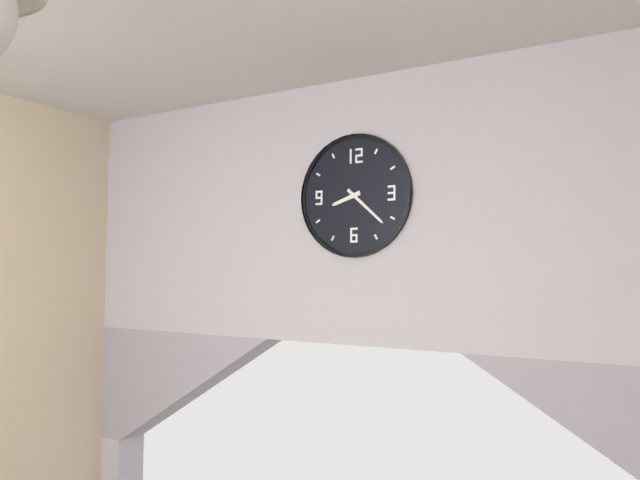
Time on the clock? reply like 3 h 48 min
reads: 8 h 22 min
